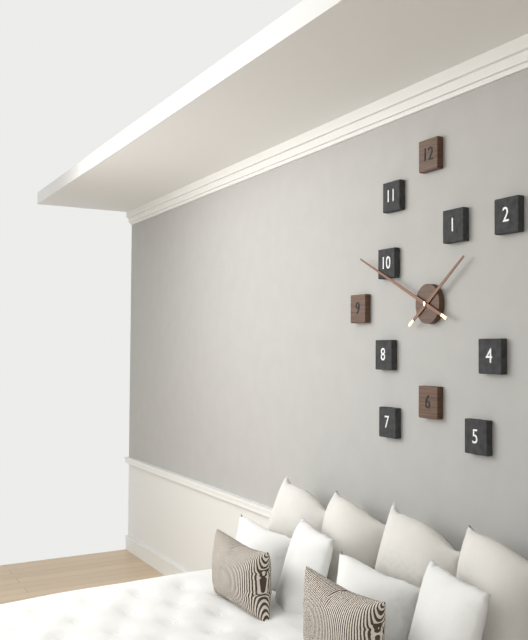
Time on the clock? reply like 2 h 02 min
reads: 1 h 49 min
